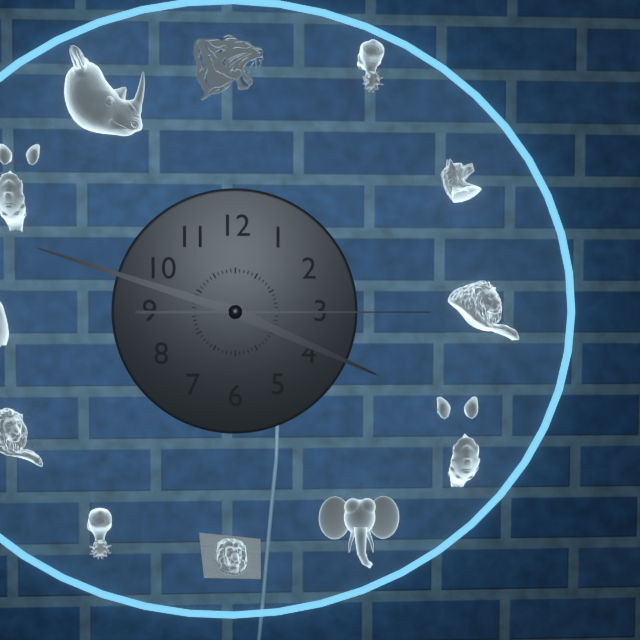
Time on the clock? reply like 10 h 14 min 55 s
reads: 3 h 48 min 15 s
